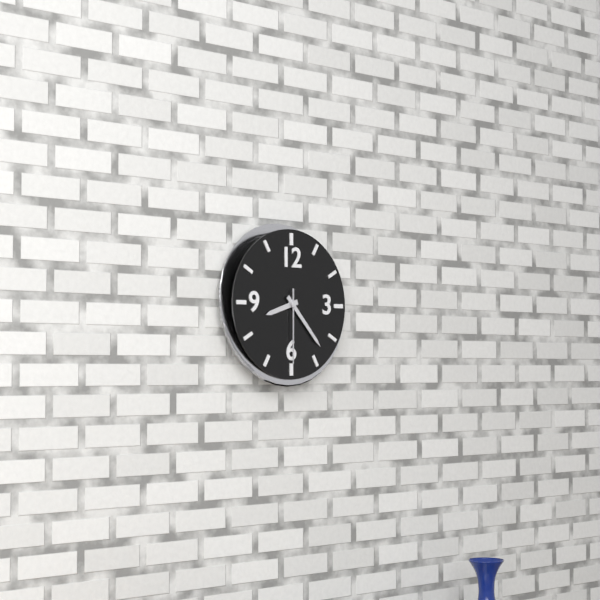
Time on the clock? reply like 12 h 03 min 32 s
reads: 8 h 23 min 30 s
